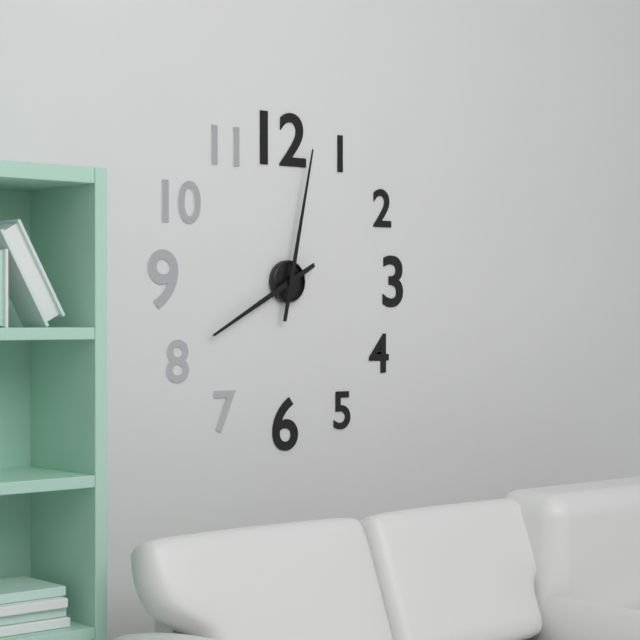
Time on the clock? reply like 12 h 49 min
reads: 8 h 02 min
